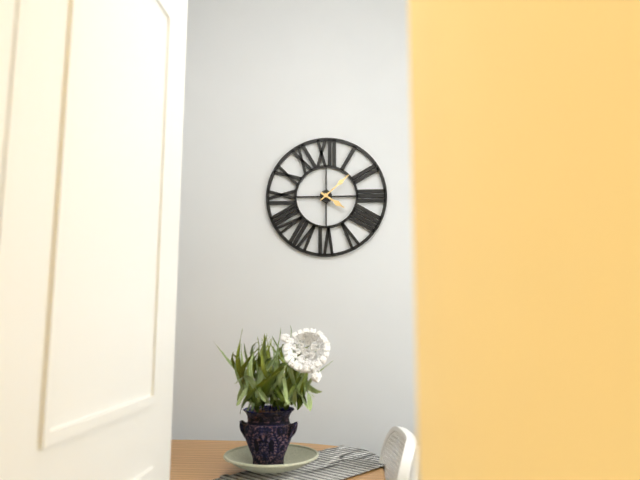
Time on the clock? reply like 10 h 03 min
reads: 4 h 08 min
